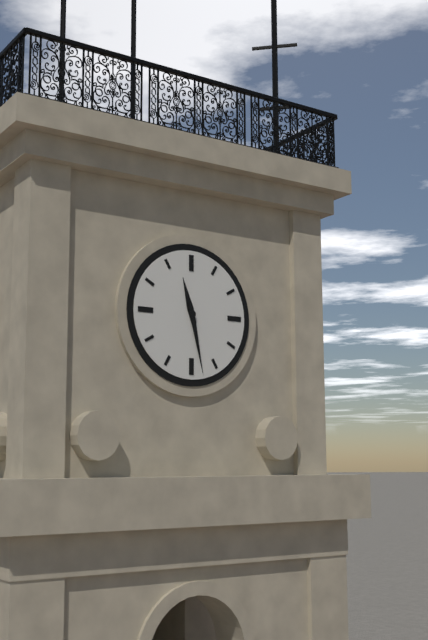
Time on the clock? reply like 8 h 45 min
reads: 11 h 28 min
